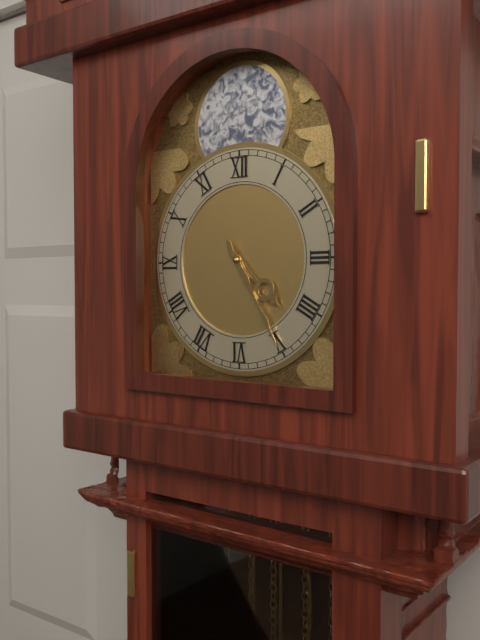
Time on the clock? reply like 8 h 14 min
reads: 4 h 25 min
